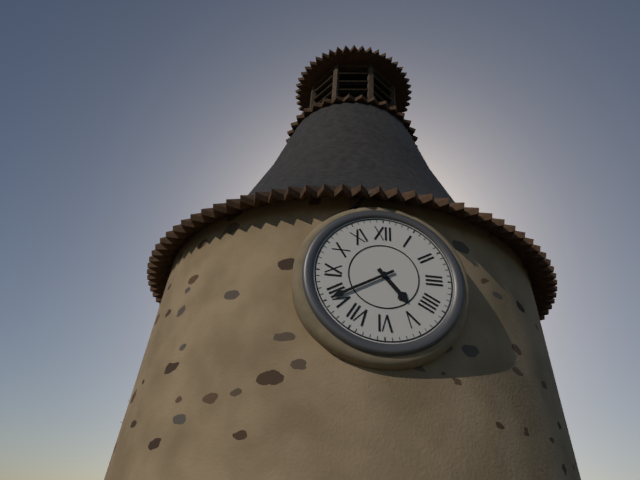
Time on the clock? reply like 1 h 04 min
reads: 4 h 40 min
